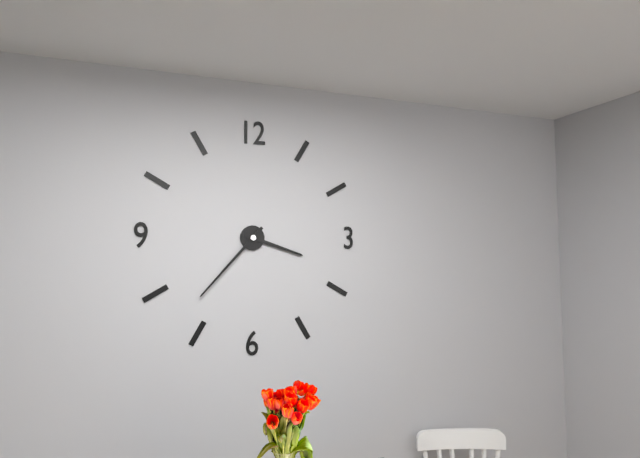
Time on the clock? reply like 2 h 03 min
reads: 3 h 37 min
